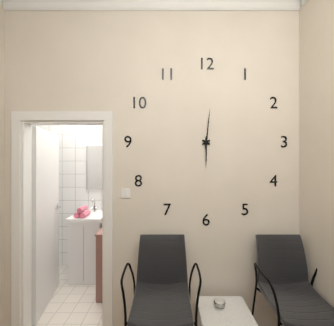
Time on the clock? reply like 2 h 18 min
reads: 6 h 01 min
